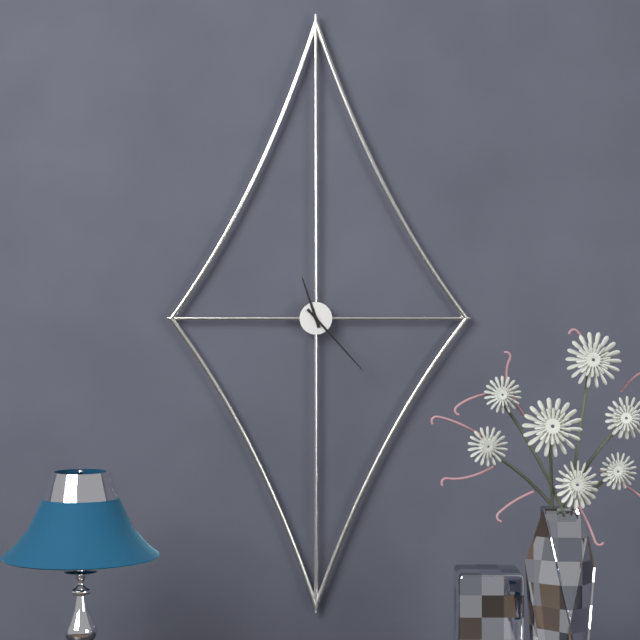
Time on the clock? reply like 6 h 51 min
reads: 11 h 23 min
